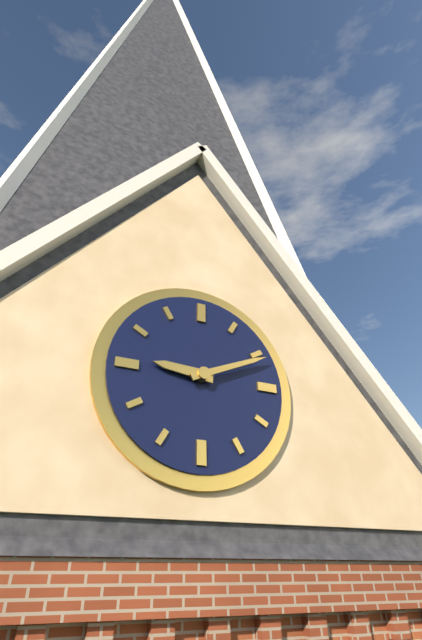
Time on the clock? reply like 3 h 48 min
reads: 9 h 11 min
